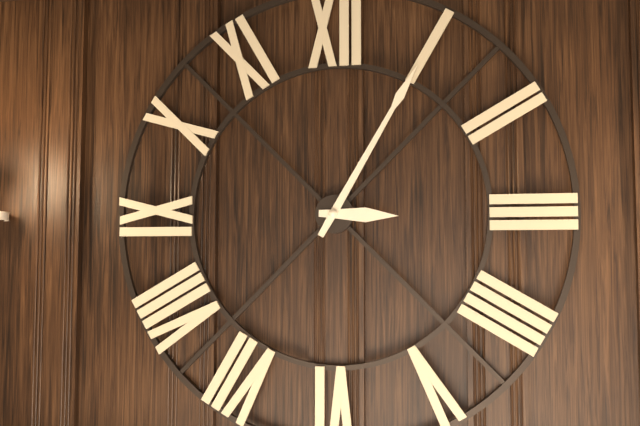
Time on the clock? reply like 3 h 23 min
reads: 3 h 05 min
